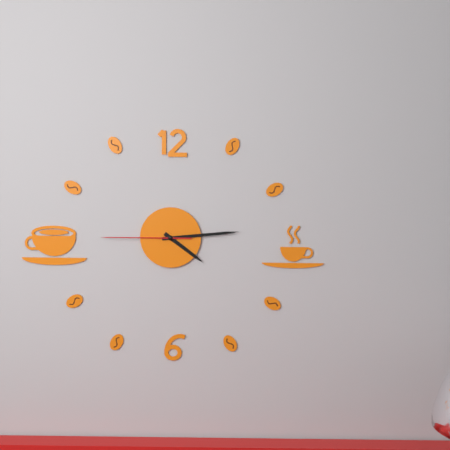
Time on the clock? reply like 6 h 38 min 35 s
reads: 4 h 14 min 45 s
